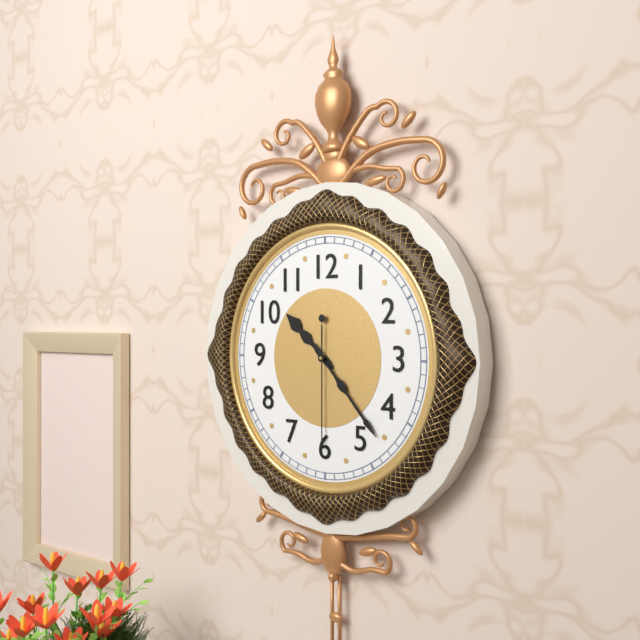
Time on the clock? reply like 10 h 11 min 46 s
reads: 10 h 23 min 30 s
